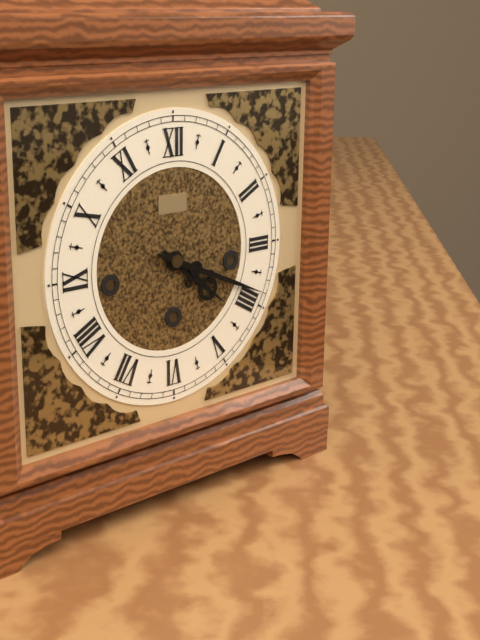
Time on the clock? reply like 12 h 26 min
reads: 4 h 19 min
